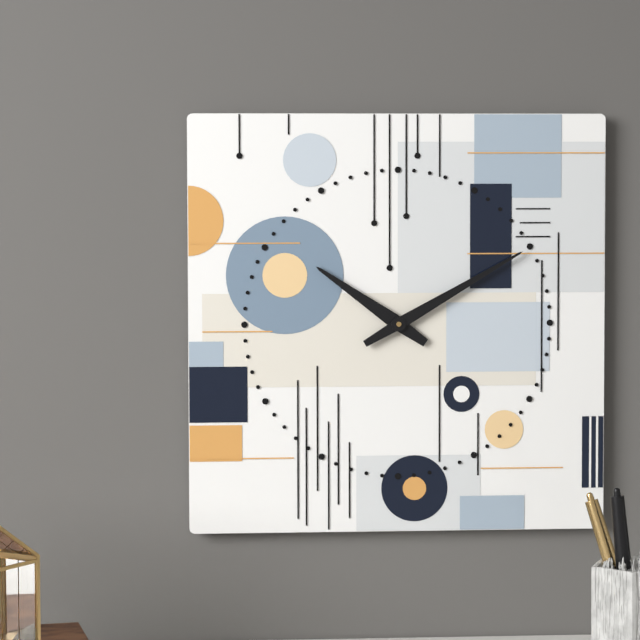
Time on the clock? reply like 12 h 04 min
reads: 10 h 10 min
